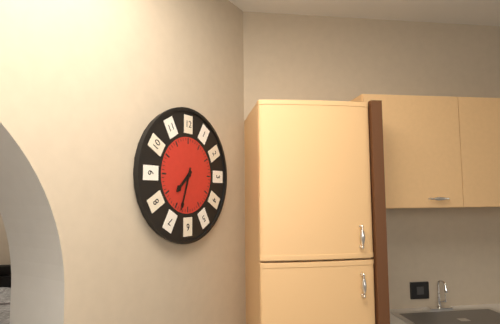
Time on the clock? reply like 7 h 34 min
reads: 7 h 33 min
